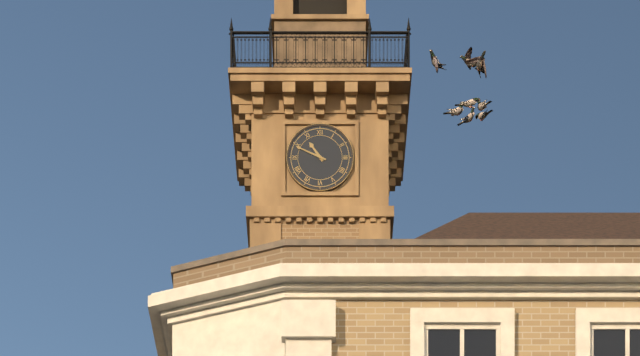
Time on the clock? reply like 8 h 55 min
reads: 10 h 49 min
